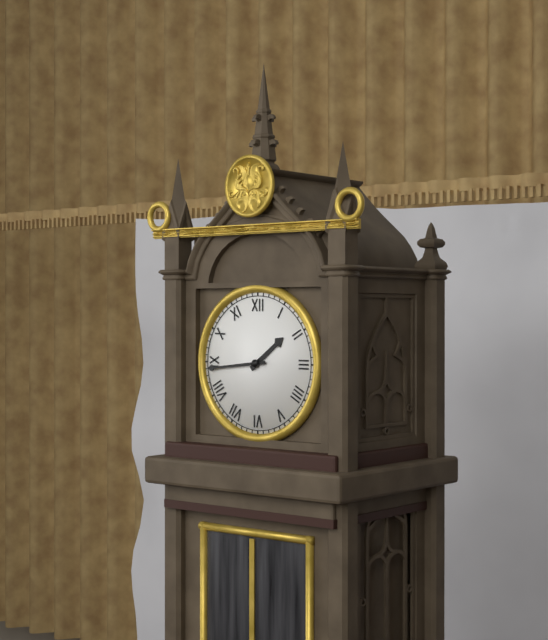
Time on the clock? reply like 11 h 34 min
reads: 1 h 44 min
